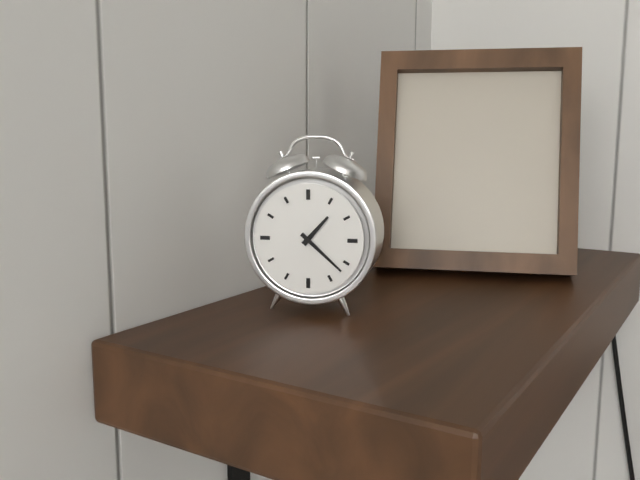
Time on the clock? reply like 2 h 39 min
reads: 1 h 22 min
